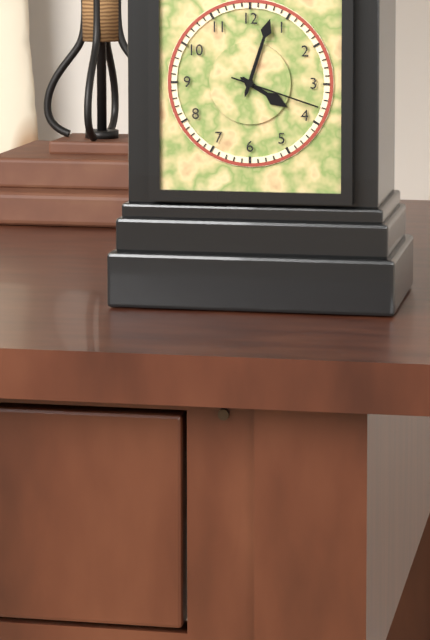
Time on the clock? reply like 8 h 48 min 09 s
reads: 4 h 03 min 18 s
